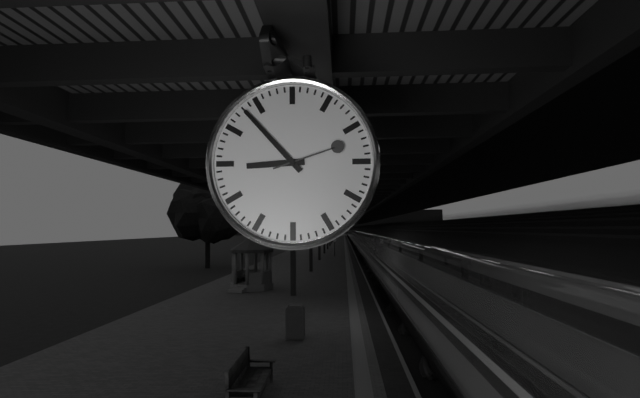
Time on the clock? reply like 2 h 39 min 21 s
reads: 8 h 53 min 12 s
